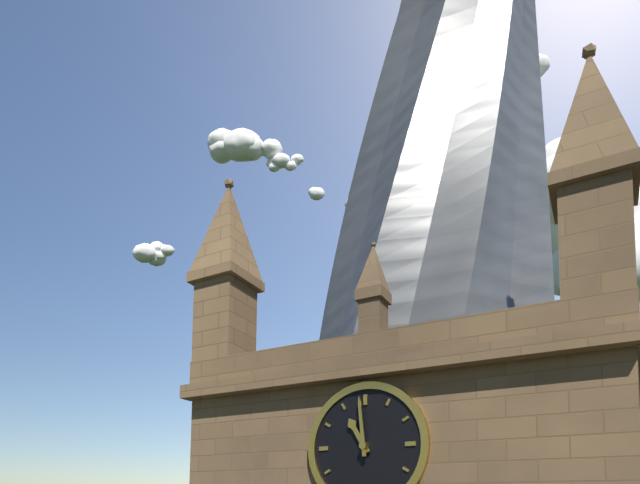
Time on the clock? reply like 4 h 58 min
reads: 10 h 59 min
